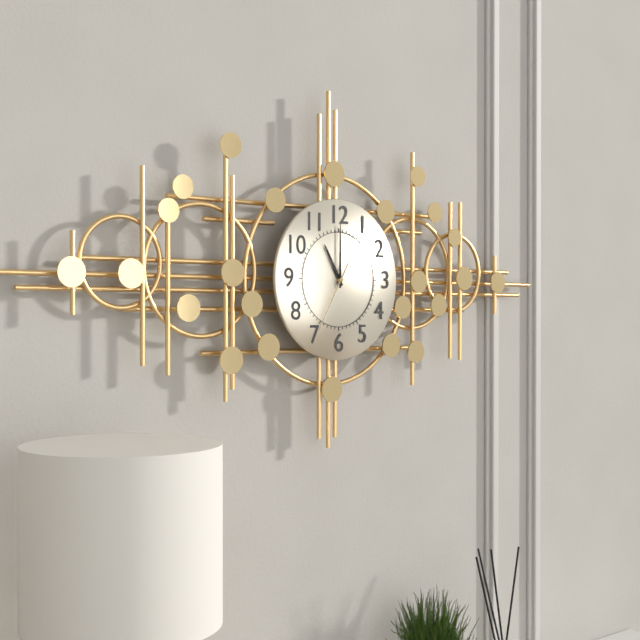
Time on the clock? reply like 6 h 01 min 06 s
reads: 11 h 00 min 35 s
